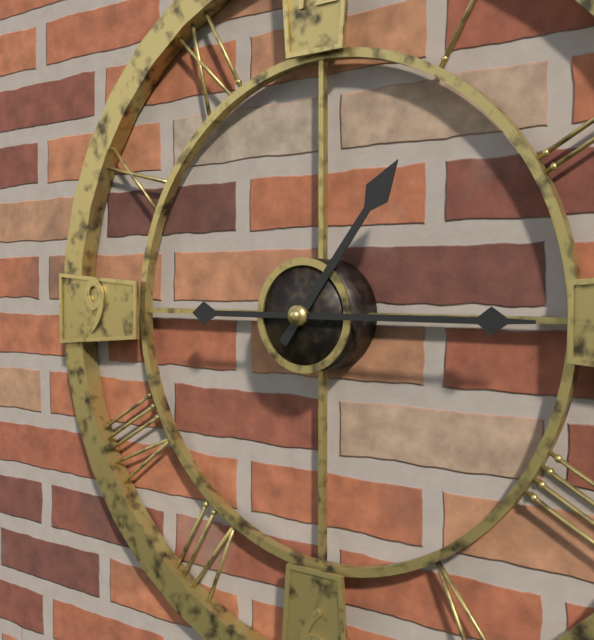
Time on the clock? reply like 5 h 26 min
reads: 1 h 15 min
